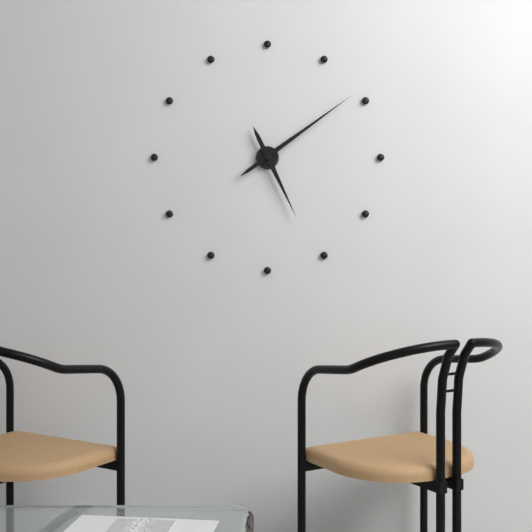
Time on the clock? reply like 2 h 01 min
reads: 5 h 09 min
